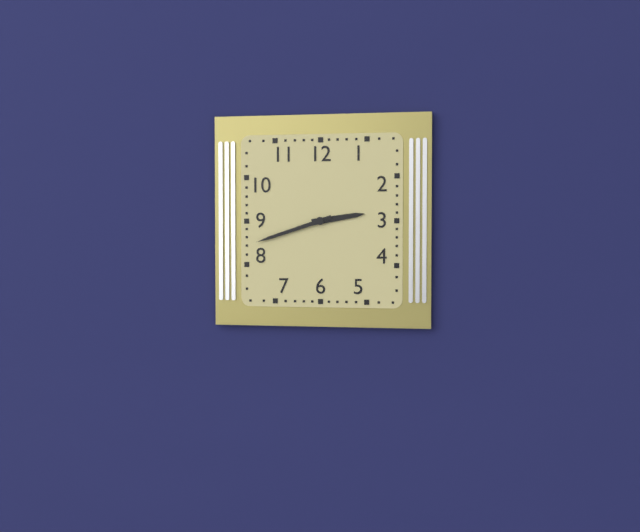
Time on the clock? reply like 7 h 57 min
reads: 2 h 42 min
